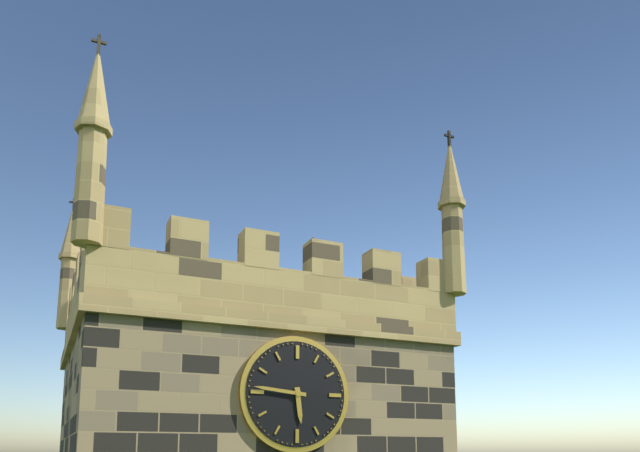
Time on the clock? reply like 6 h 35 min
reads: 5 h 46 min
